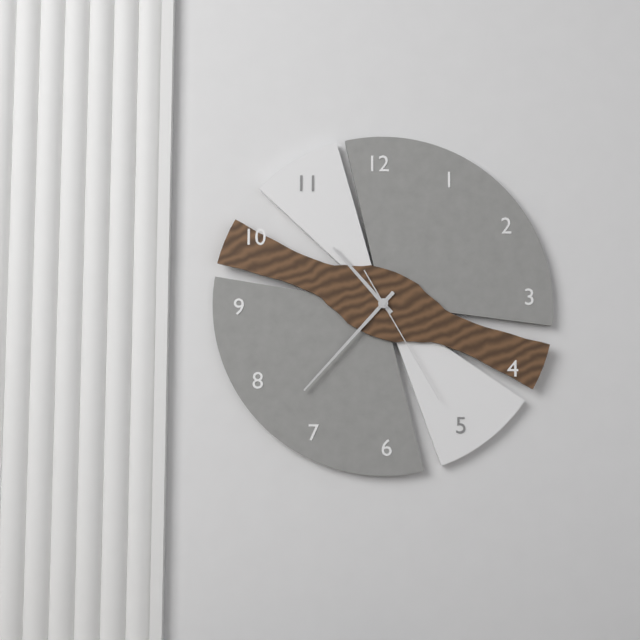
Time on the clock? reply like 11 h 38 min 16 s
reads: 10 h 37 min 25 s
